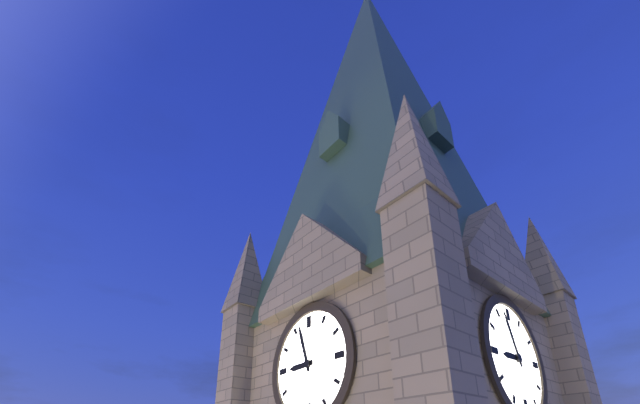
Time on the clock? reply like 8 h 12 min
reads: 8 h 57 min
